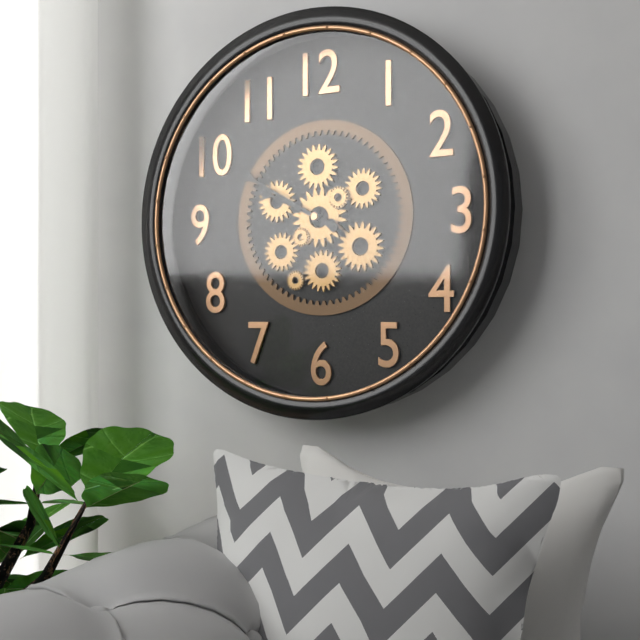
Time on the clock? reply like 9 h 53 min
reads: 9 h 50 min
